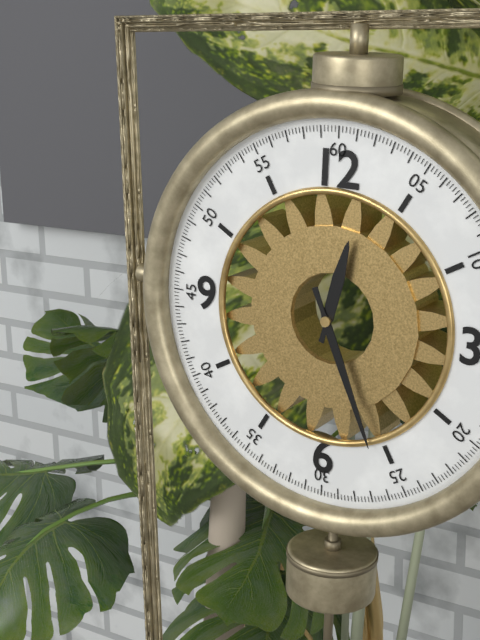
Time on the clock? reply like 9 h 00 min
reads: 12 h 26 min
